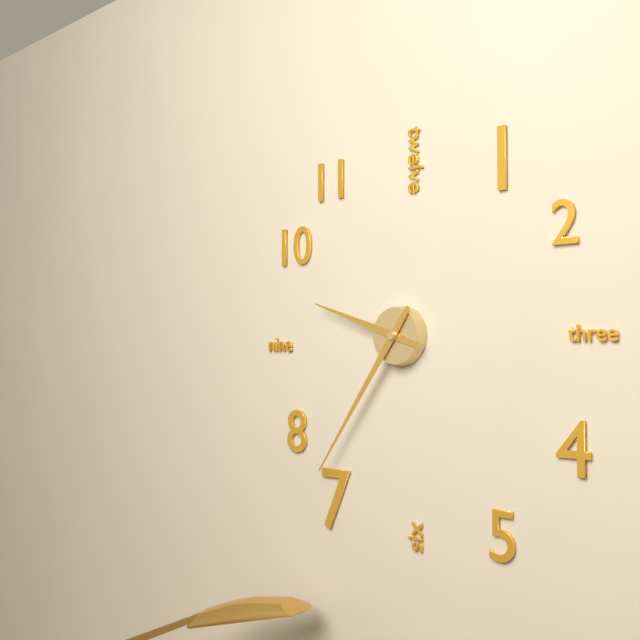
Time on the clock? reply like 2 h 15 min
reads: 9 h 36 min
